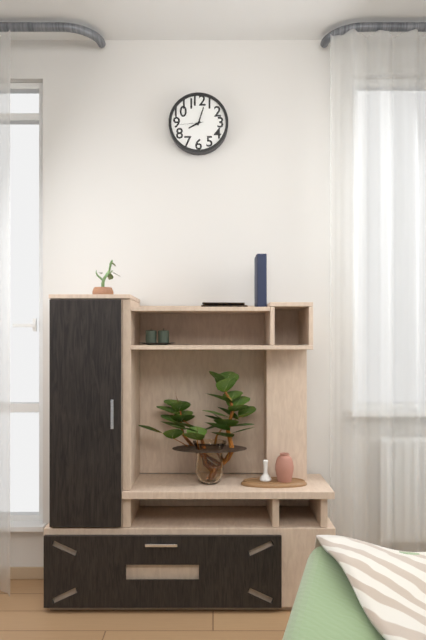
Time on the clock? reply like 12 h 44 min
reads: 8 h 03 min
